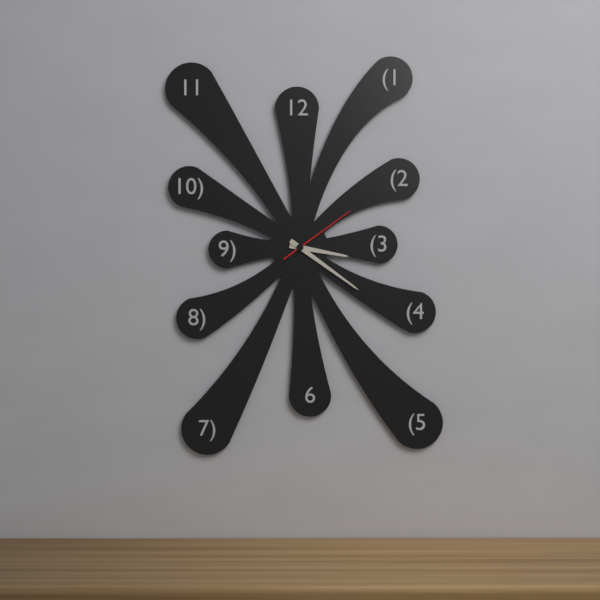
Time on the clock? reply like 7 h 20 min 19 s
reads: 3 h 21 min 09 s
